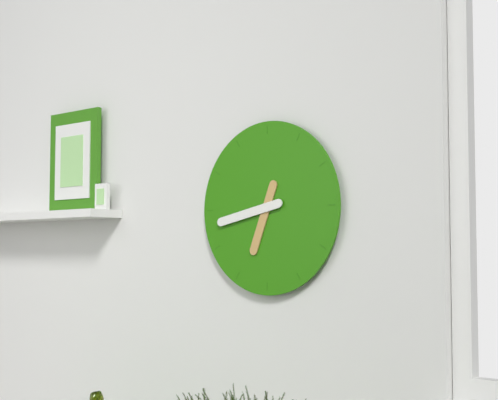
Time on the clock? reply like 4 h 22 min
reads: 6 h 43 min
